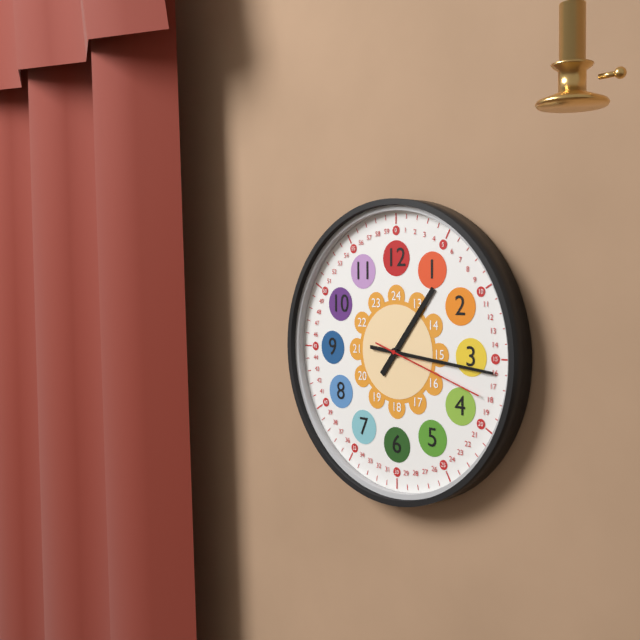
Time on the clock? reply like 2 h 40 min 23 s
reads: 1 h 16 min 18 s
